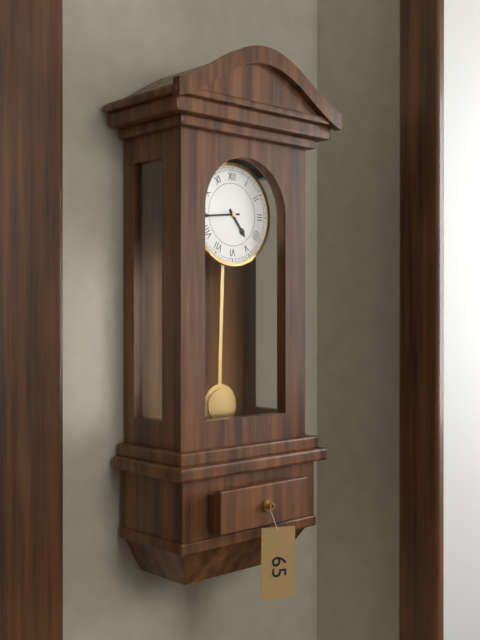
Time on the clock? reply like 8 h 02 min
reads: 4 h 44 min
